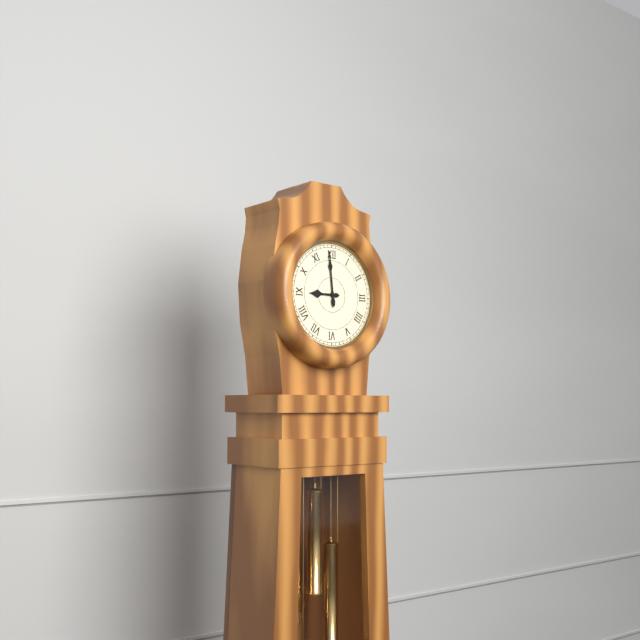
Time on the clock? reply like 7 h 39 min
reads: 8 h 59 min
